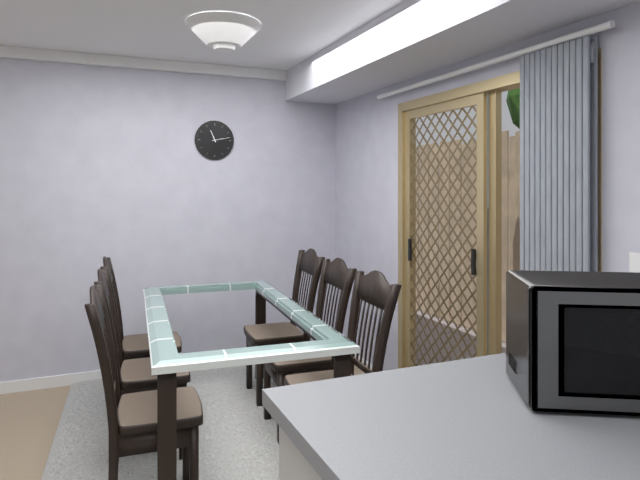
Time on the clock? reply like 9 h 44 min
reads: 11 h 13 min
